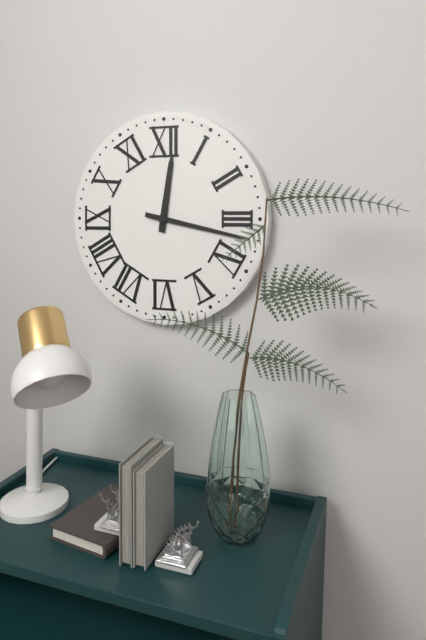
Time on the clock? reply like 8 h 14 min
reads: 12 h 17 min
